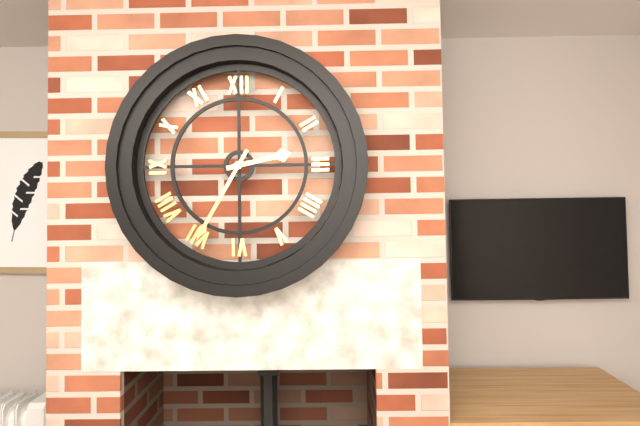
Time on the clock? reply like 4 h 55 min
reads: 2 h 35 min
